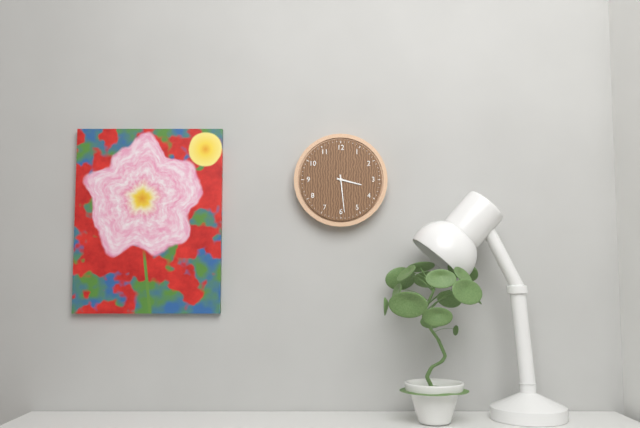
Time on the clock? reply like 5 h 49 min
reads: 3 h 29 min
